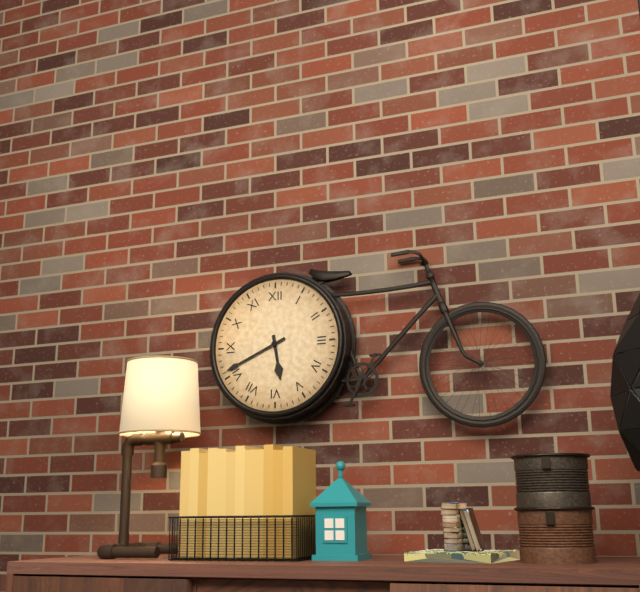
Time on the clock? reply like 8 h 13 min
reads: 5 h 41 min
